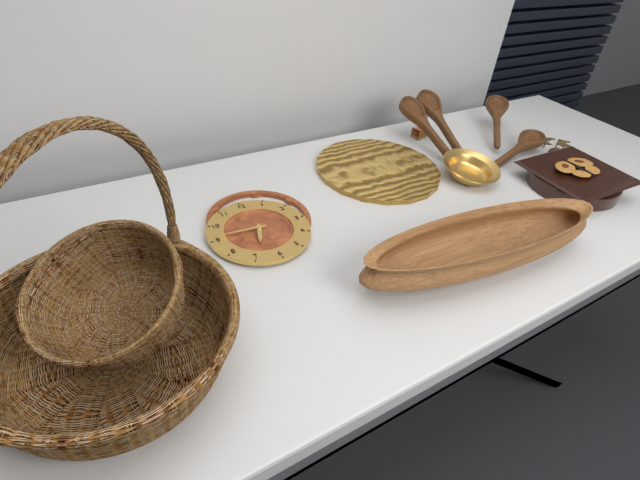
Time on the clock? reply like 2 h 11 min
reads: 6 h 46 min
